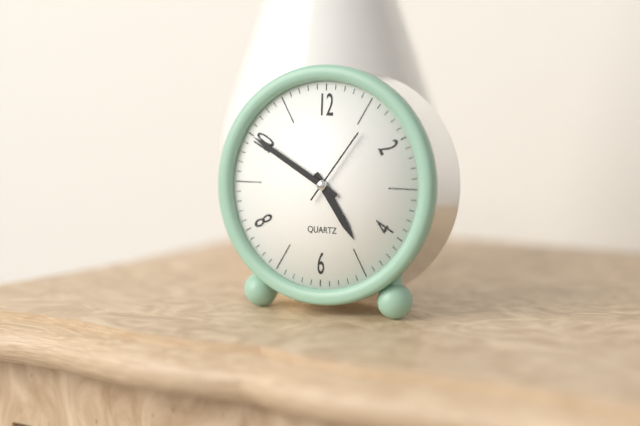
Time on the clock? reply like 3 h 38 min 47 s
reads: 4 h 50 min 06 s
